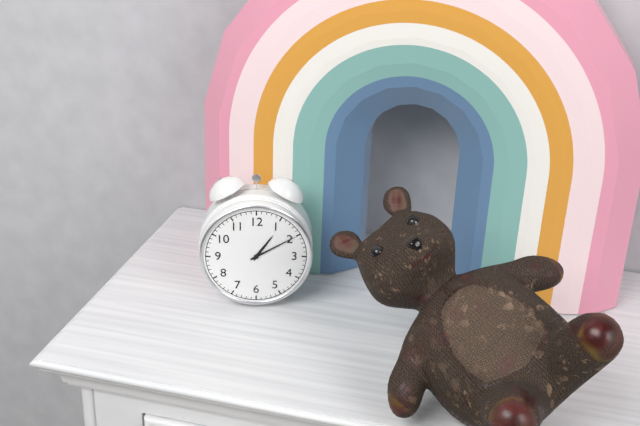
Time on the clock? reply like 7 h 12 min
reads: 1 h 10 min
